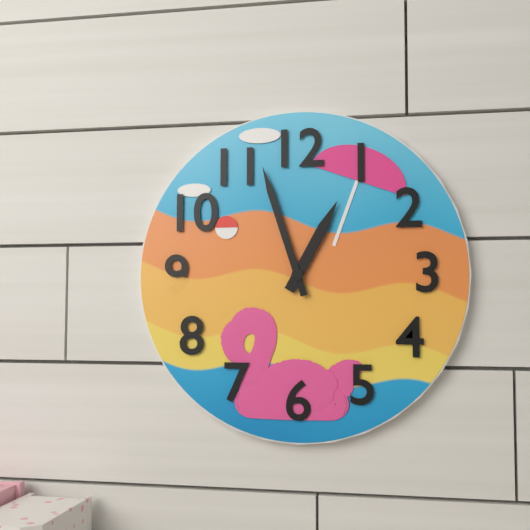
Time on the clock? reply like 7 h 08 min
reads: 12 h 57 min
